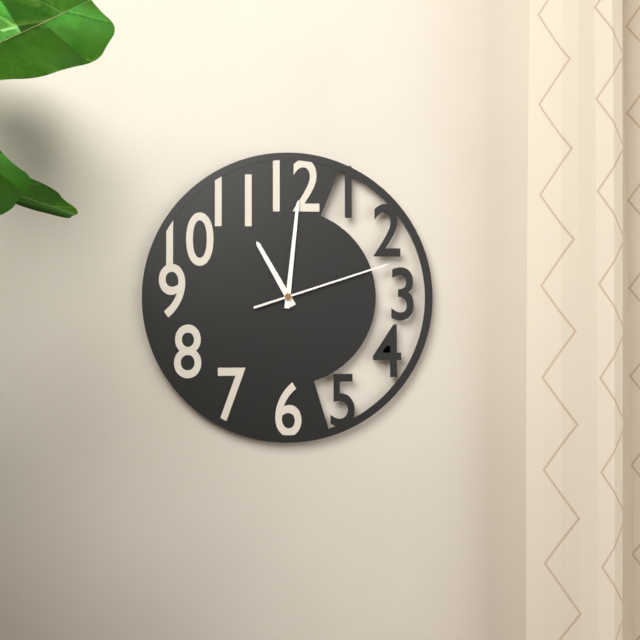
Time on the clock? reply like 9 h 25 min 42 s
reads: 11 h 01 min 12 s
